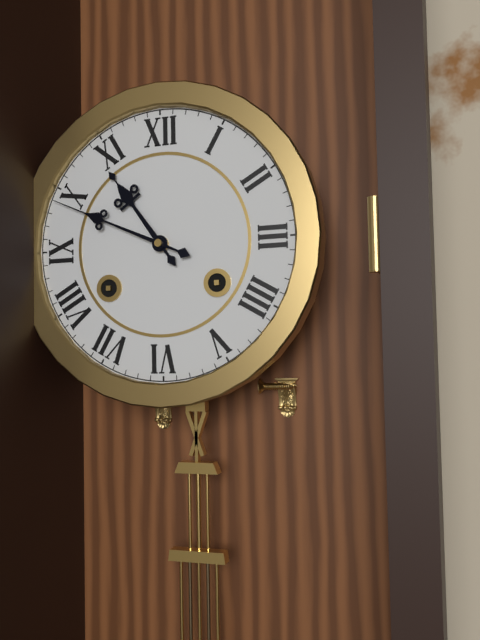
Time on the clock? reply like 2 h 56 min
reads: 10 h 49 min
